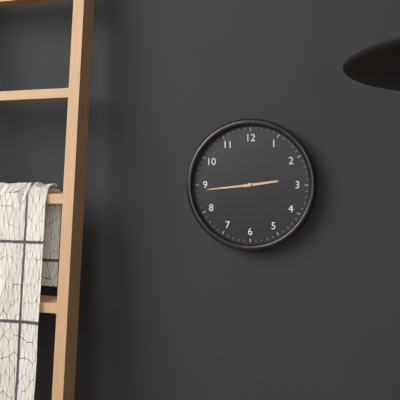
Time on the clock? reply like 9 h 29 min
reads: 2 h 44 min
